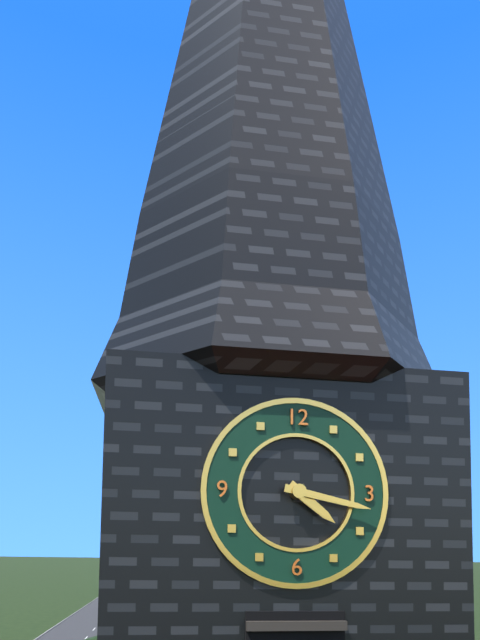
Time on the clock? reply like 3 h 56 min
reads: 4 h 17 min
